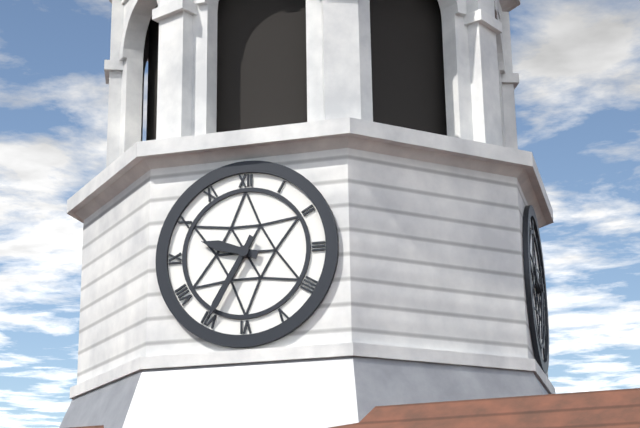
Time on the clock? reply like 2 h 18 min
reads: 9 h 35 min
